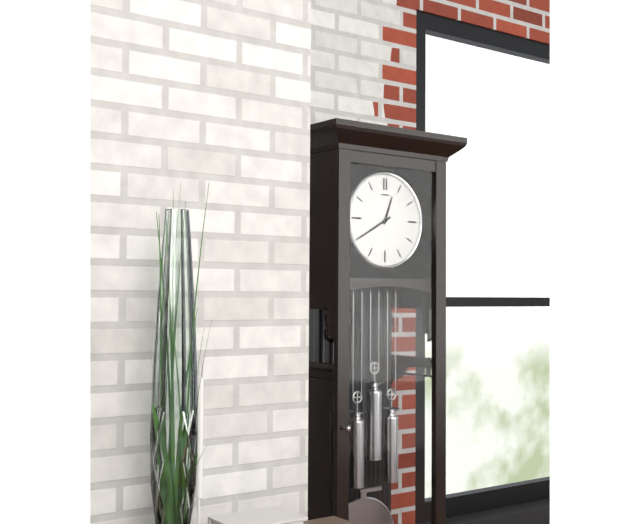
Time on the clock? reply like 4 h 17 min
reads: 12 h 40 min
